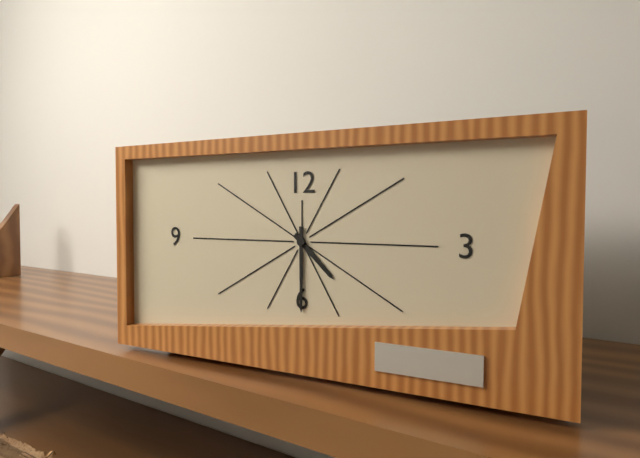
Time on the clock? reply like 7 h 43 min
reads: 4 h 30 min
